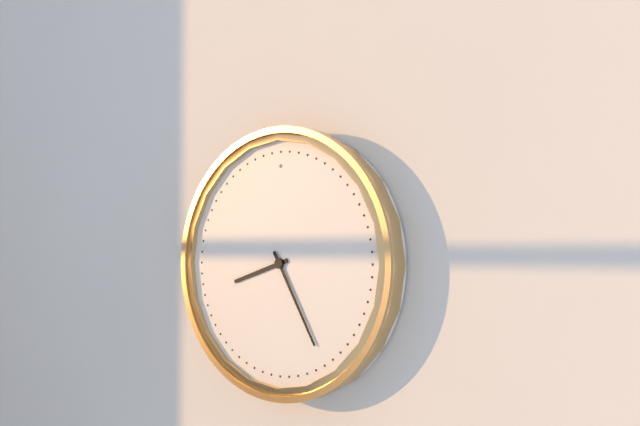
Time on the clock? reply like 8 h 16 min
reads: 8 h 25 min
